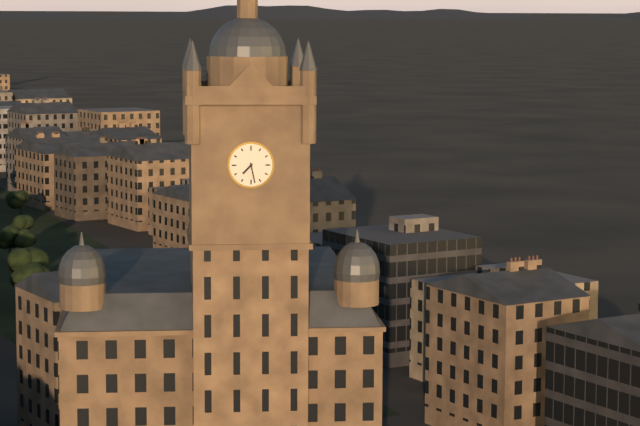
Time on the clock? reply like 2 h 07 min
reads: 7 h 28 min
